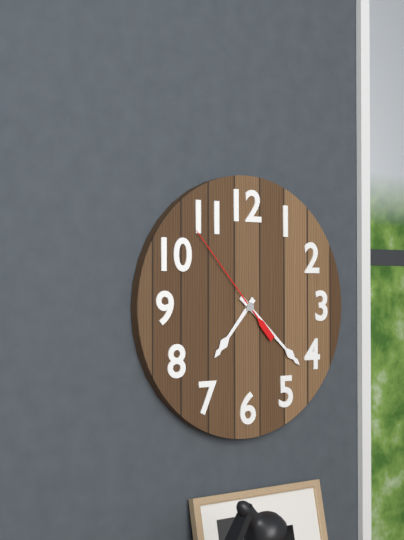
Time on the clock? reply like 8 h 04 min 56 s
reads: 7 h 22 min 53 s
